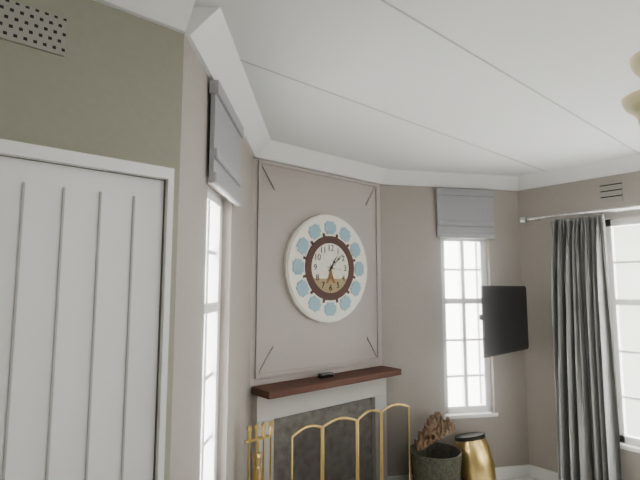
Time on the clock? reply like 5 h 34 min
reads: 1 h 08 min
